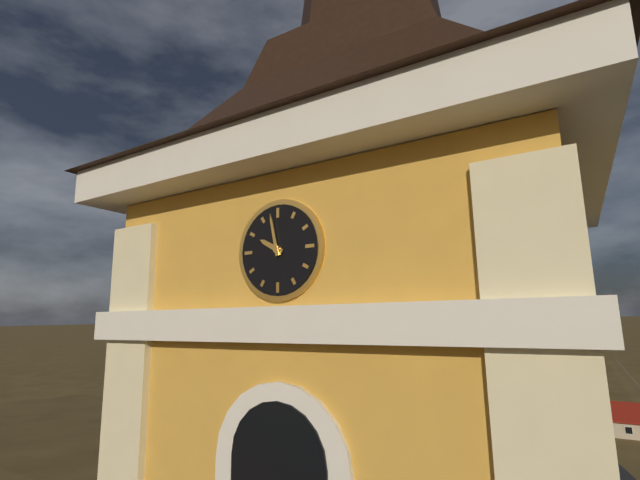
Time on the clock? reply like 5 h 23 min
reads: 9 h 58 min
